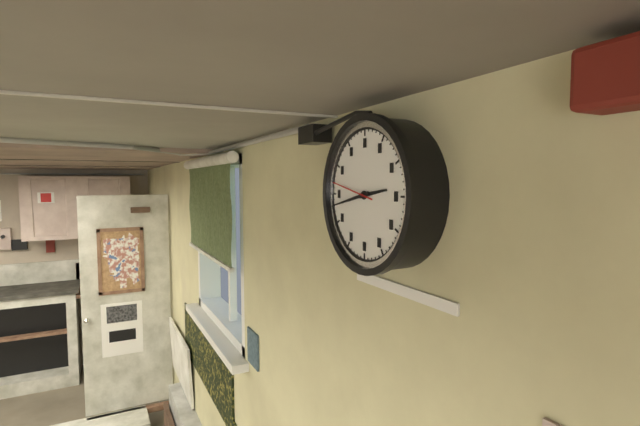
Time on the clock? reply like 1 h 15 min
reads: 2 h 43 min
